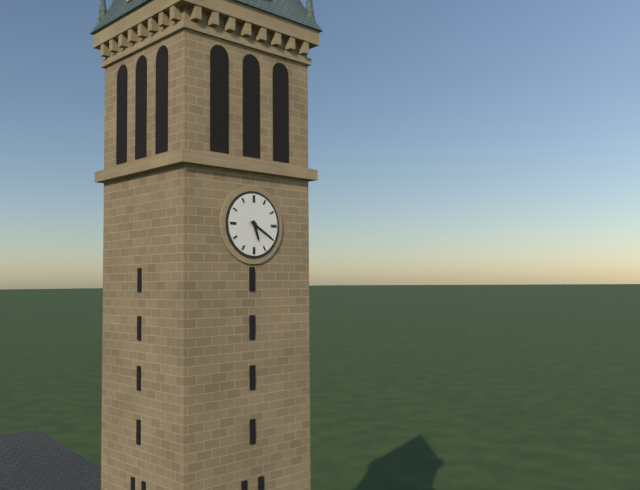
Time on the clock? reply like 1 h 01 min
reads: 5 h 20 min
